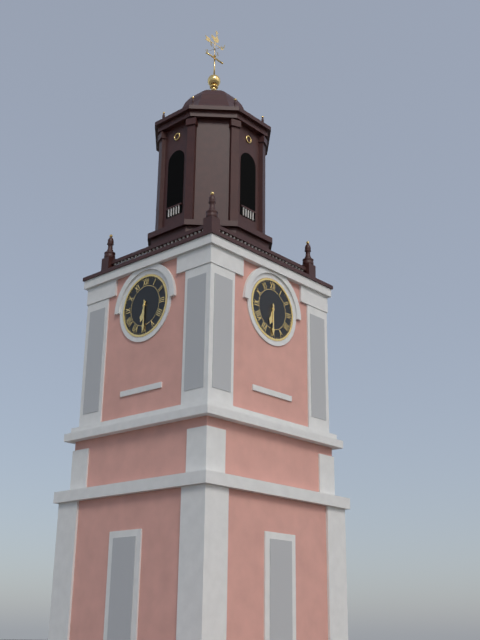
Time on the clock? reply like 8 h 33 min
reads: 6 h 30 min
